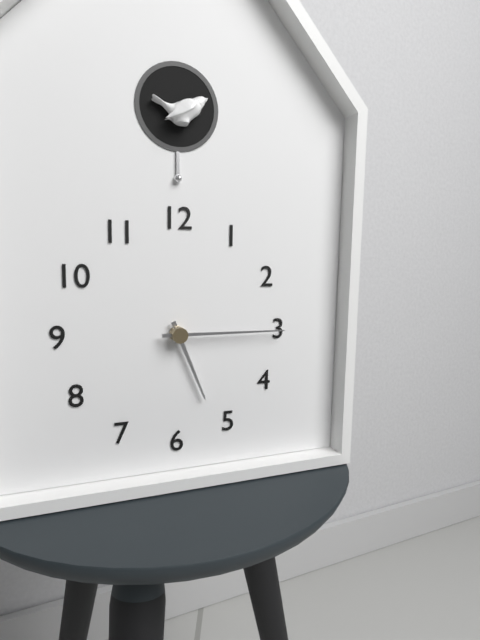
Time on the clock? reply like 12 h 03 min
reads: 5 h 15 min
